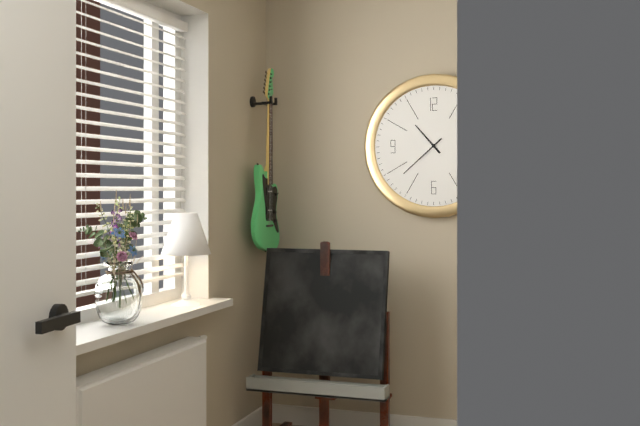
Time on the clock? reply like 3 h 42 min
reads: 10 h 38 min
